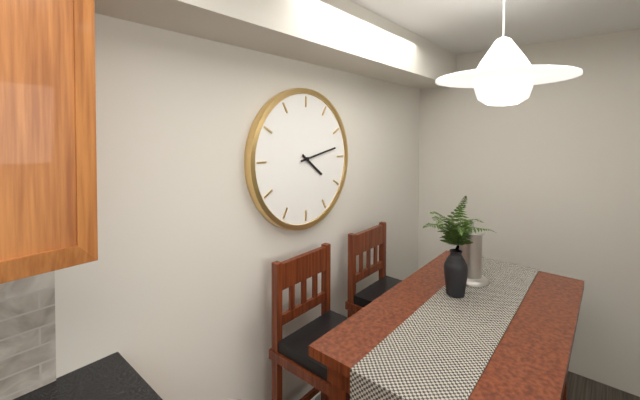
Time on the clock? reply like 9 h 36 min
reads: 4 h 13 min
